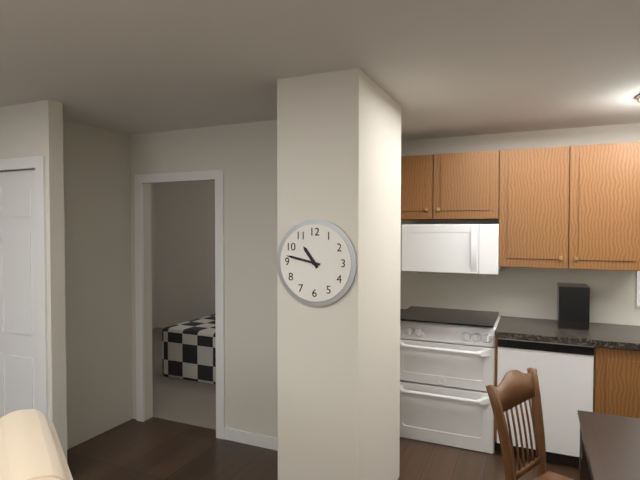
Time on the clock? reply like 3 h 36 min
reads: 10 h 47 min
